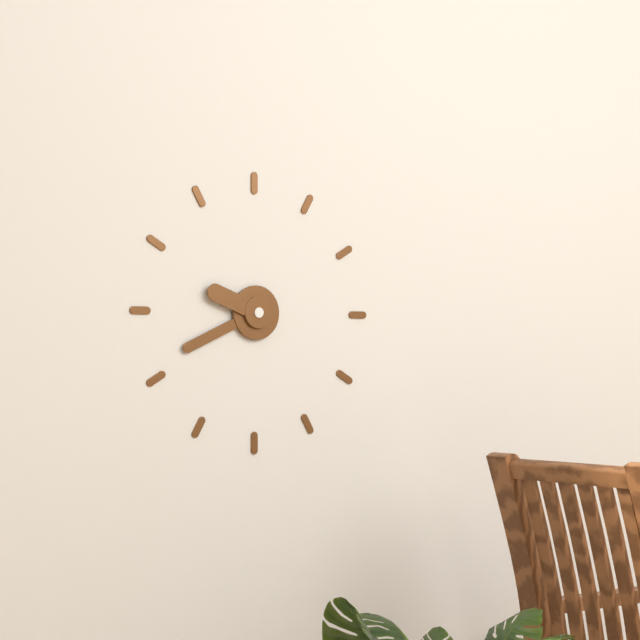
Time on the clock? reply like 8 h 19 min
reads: 9 h 41 min
